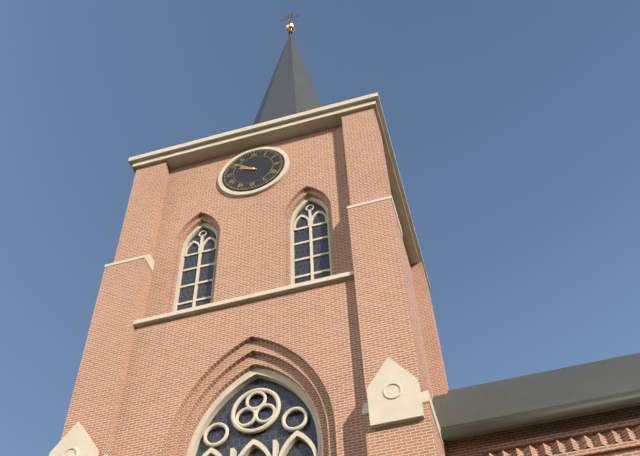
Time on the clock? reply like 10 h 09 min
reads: 9 h 51 min
